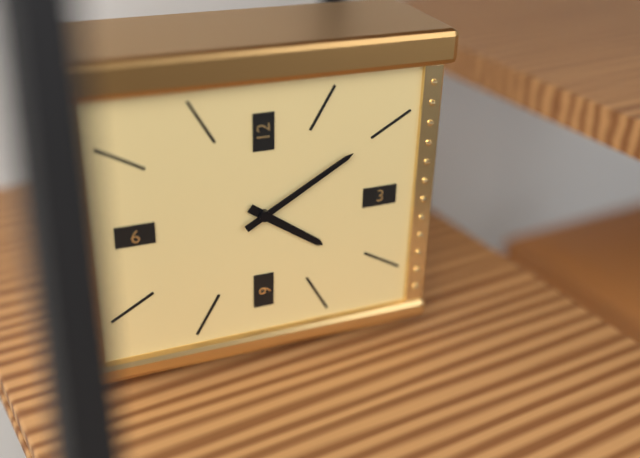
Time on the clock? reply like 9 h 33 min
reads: 4 h 10 min
